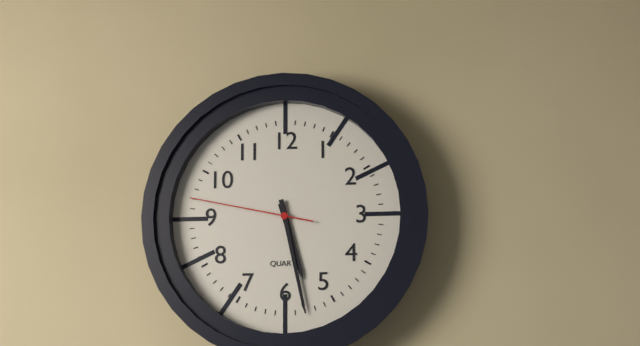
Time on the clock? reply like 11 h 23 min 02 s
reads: 5 h 28 min 47 s
